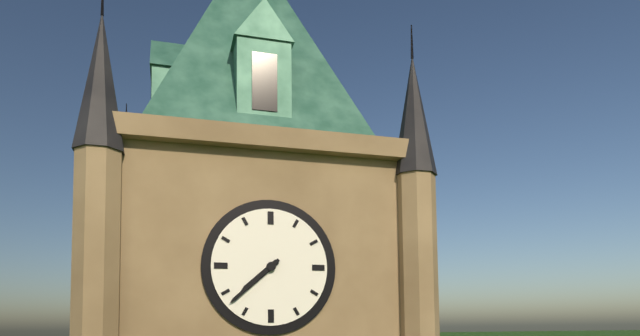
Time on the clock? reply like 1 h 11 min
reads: 7 h 38 min
